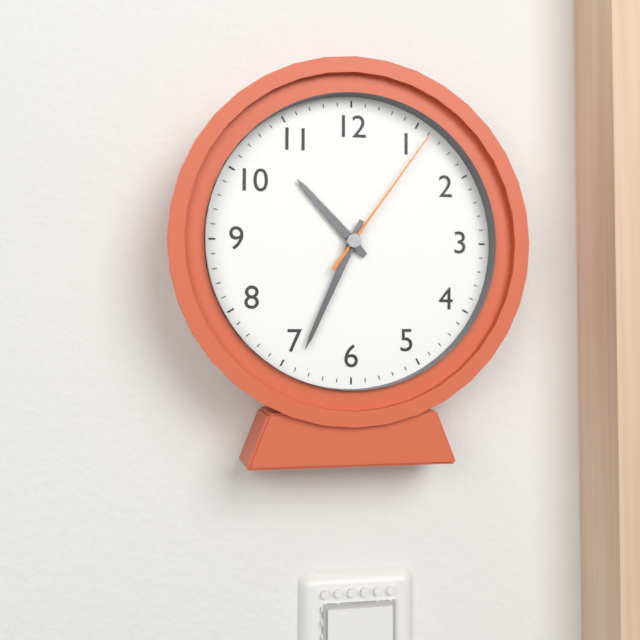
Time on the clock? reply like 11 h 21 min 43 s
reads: 10 h 34 min 06 s
